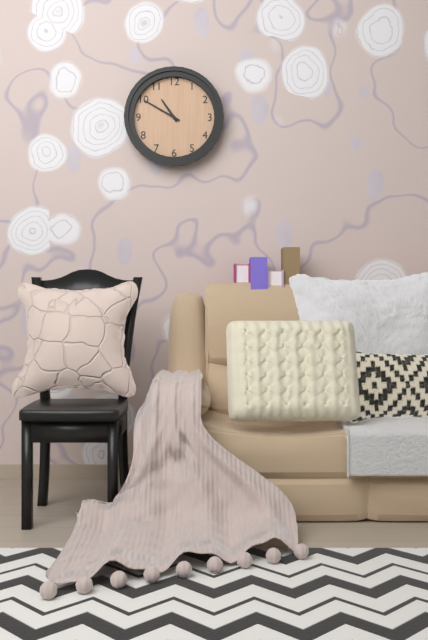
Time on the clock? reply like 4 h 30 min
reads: 10 h 50 min
